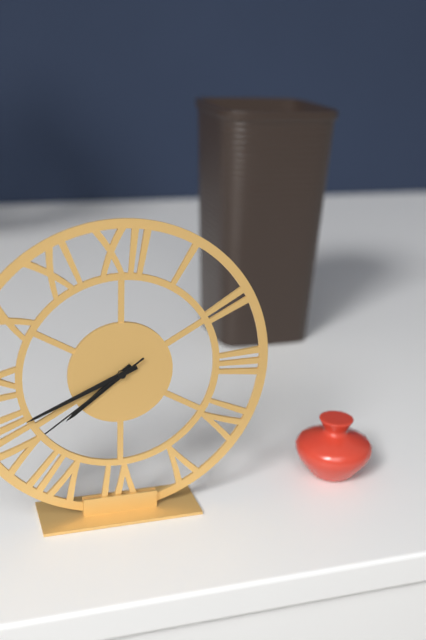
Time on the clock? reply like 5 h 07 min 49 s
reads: 7 h 41 min 39 s
